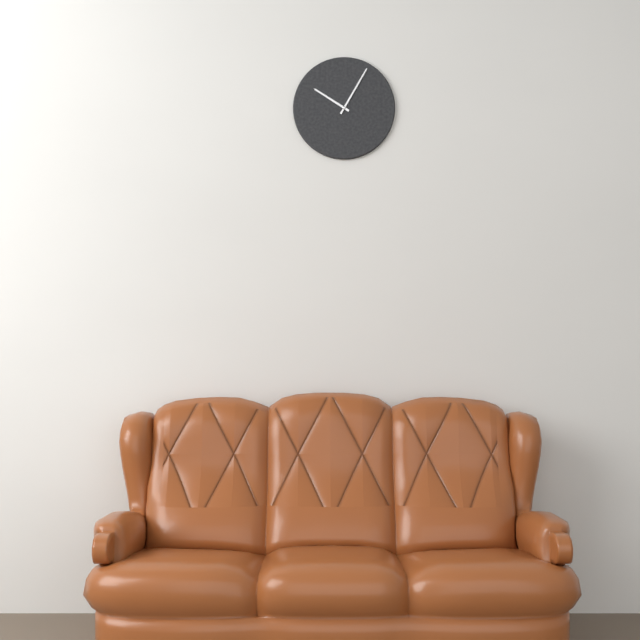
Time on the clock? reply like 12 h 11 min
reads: 10 h 05 min
